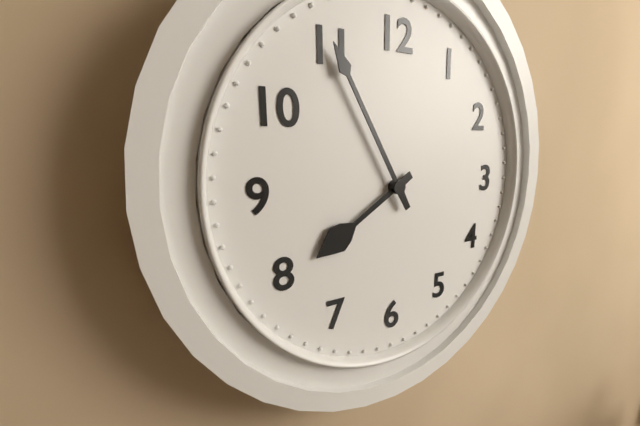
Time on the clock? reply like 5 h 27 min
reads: 7 h 55 min
